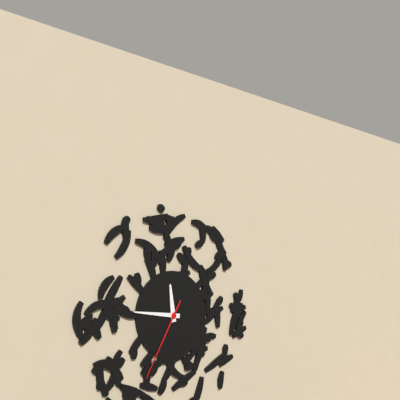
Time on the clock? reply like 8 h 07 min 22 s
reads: 11 h 46 min 35 s
